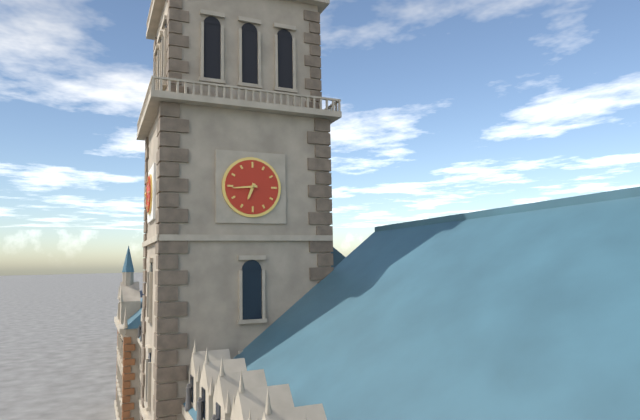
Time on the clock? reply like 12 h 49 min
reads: 6 h 44 min
